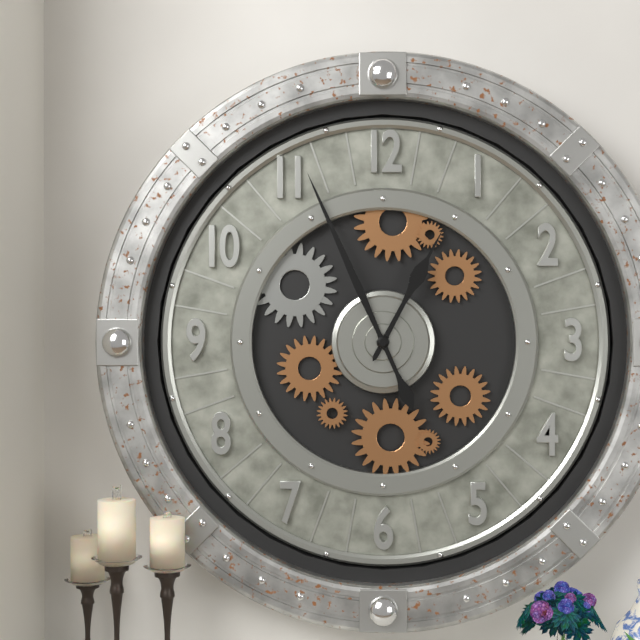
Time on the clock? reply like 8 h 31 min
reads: 12 h 56 min
